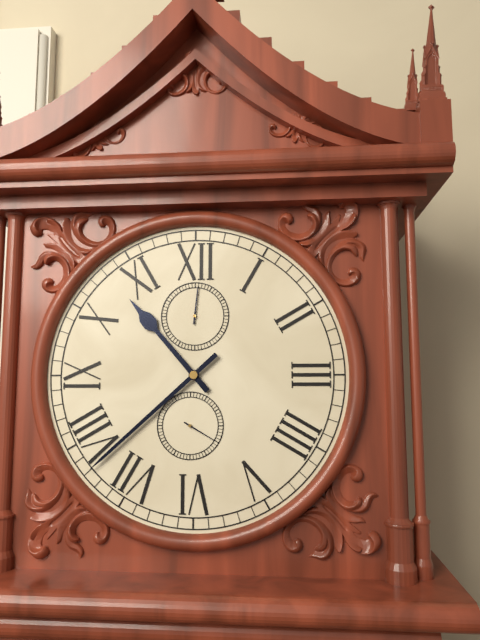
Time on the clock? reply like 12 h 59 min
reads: 10 h 38 min
